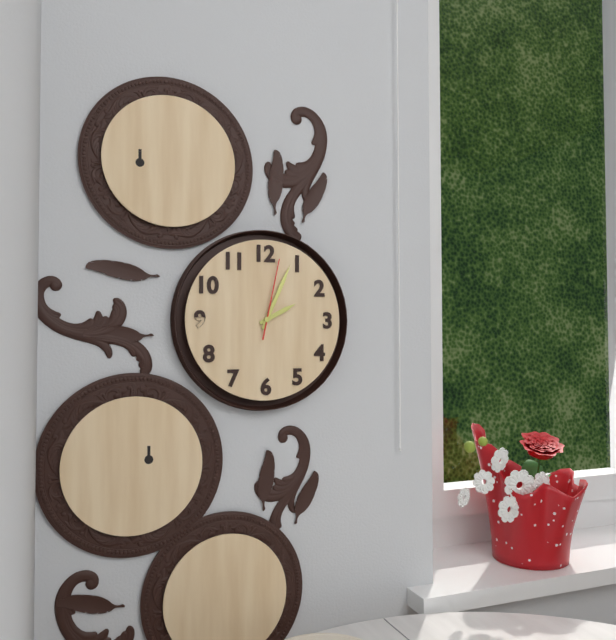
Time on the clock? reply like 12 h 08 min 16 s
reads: 2 h 04 min 02 s
